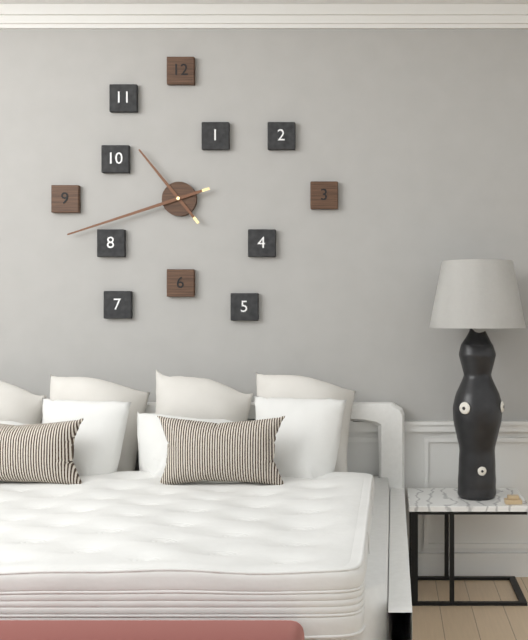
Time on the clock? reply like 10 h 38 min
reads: 10 h 42 min
